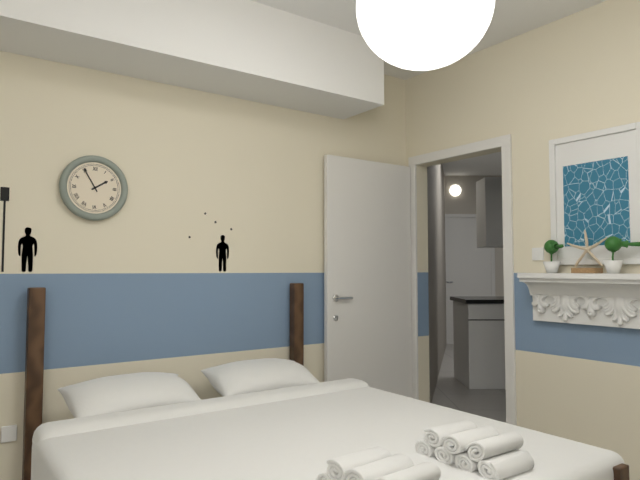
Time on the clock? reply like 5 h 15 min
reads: 1 h 55 min
